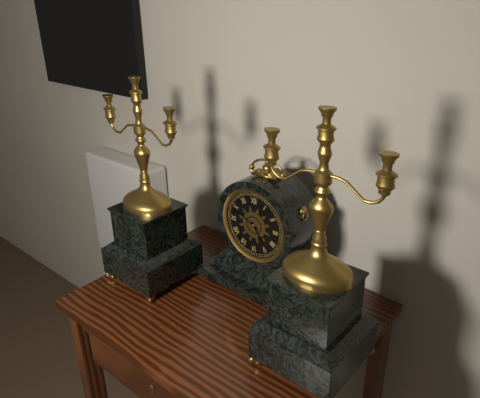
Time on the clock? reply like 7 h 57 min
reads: 4 h 49 min
